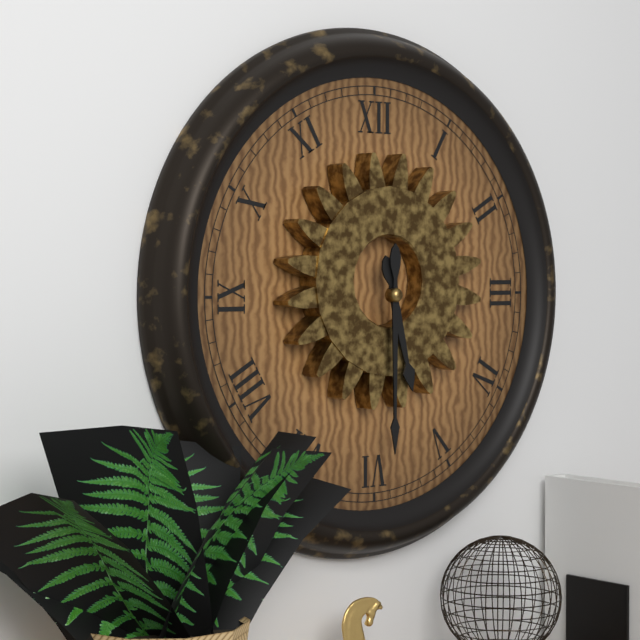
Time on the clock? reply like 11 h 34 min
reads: 5 h 30 min
